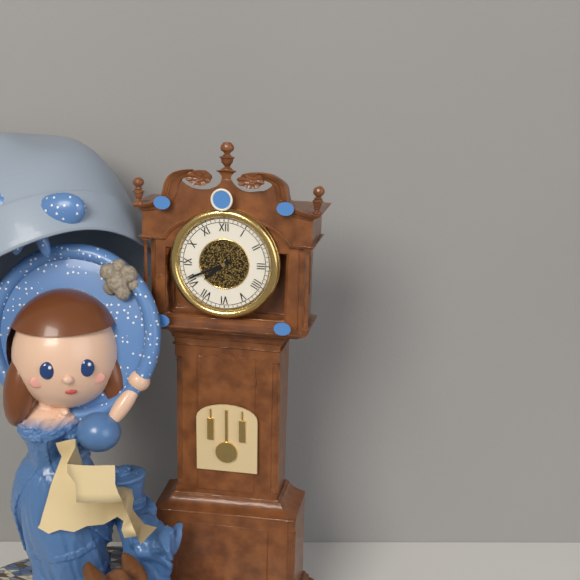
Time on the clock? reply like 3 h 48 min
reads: 7 h 41 min
